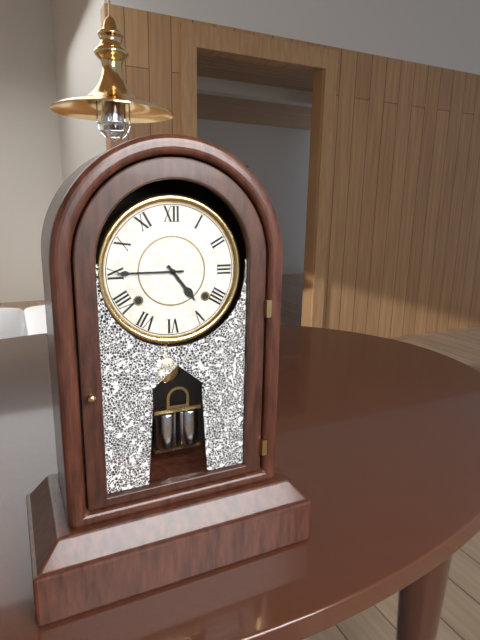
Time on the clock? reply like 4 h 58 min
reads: 4 h 45 min
